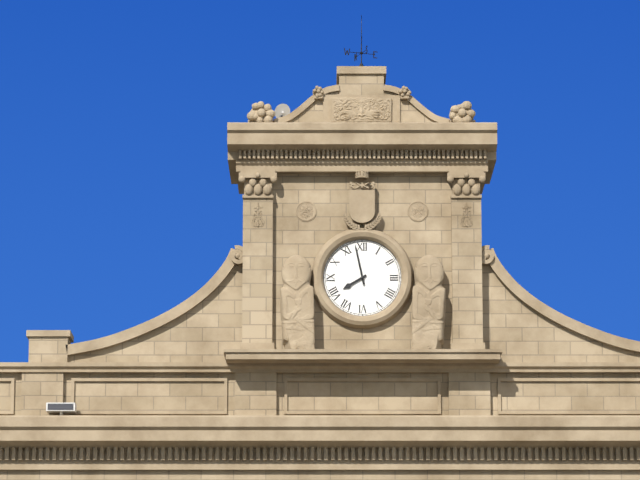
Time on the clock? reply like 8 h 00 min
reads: 7 h 58 min
